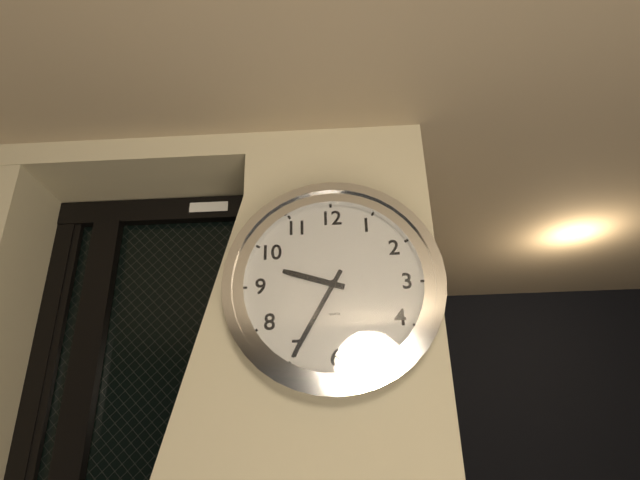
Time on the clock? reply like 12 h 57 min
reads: 9 h 35 min
